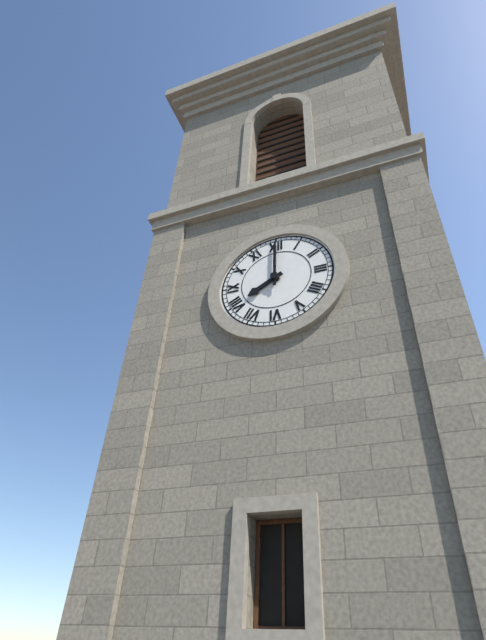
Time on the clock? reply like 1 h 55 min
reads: 8 h 00 min
